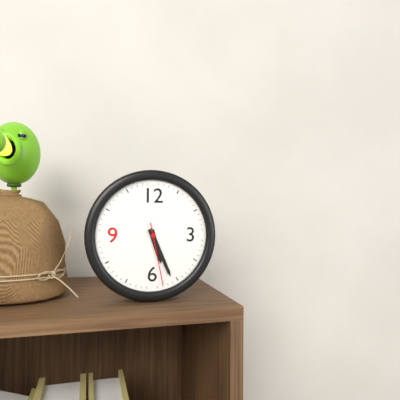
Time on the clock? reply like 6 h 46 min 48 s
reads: 5 h 26 min 28 s
